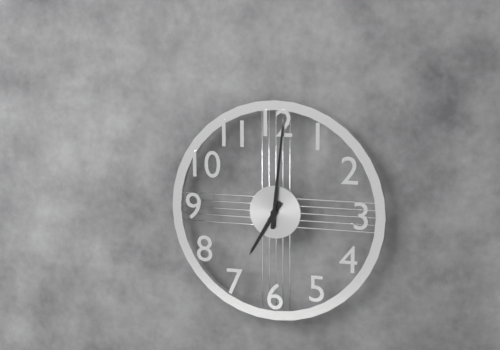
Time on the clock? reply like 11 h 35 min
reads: 7 h 01 min
